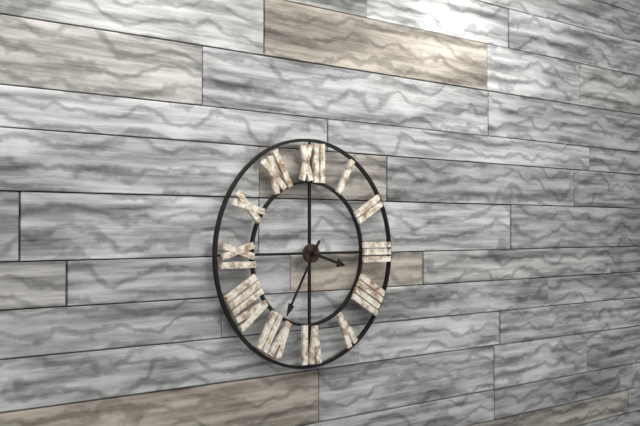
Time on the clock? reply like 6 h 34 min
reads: 3 h 35 min
